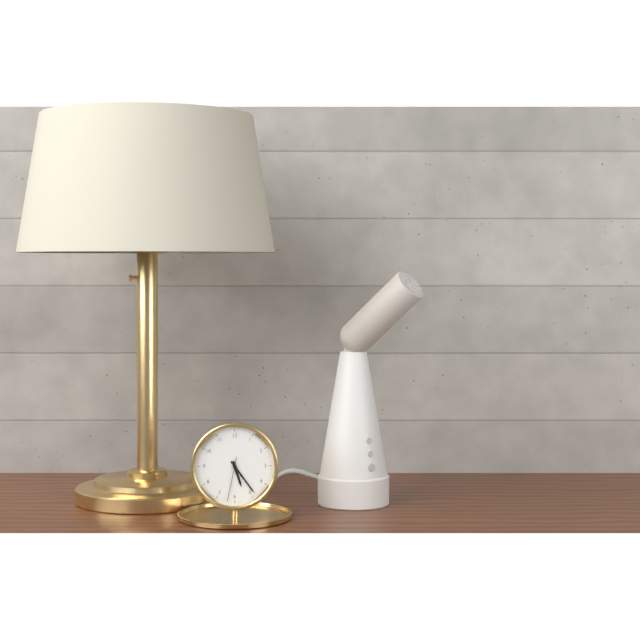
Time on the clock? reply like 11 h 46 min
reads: 5 h 24 min
